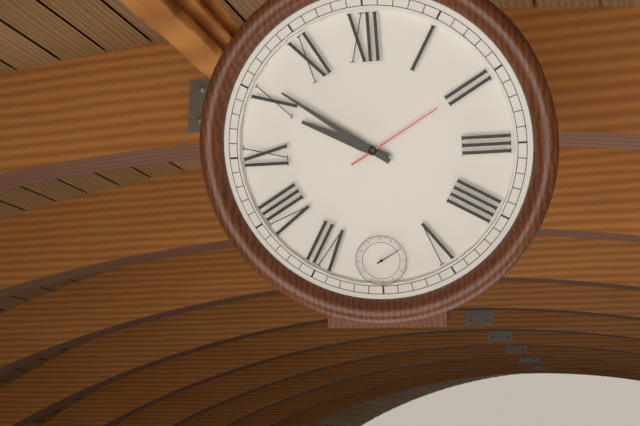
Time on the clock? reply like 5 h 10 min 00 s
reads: 9 h 51 min 10 s
